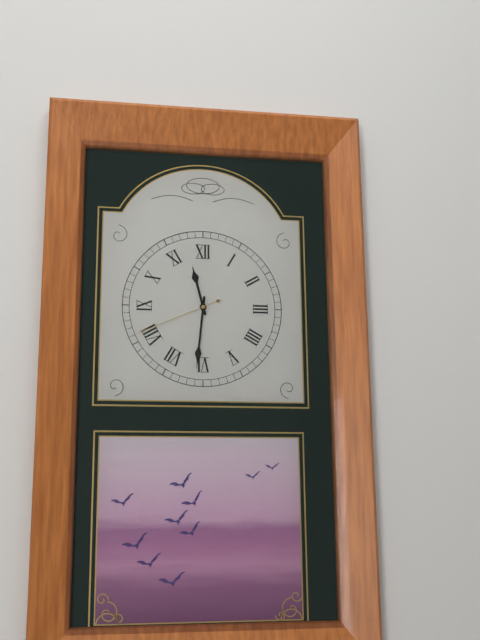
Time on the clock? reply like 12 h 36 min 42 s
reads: 11 h 31 min 41 s
